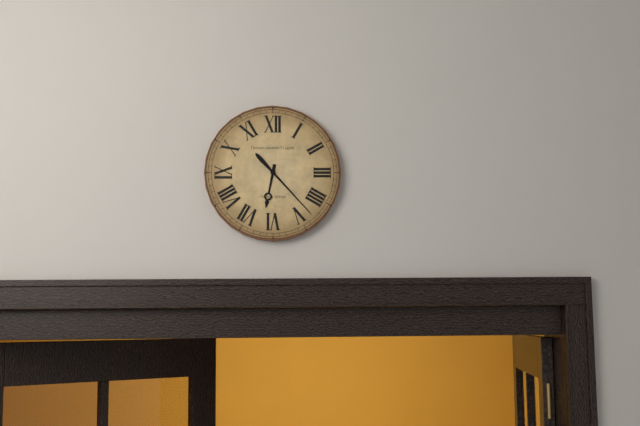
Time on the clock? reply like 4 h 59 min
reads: 6 h 23 min
